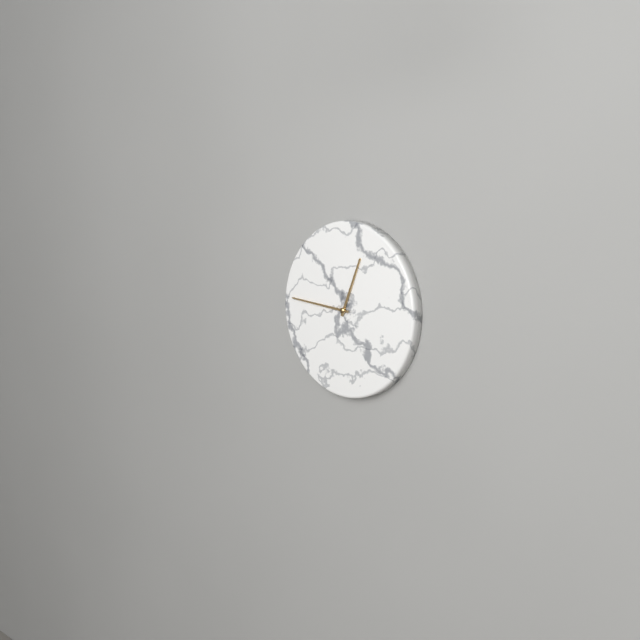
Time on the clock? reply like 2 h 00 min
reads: 12 h 46 min
